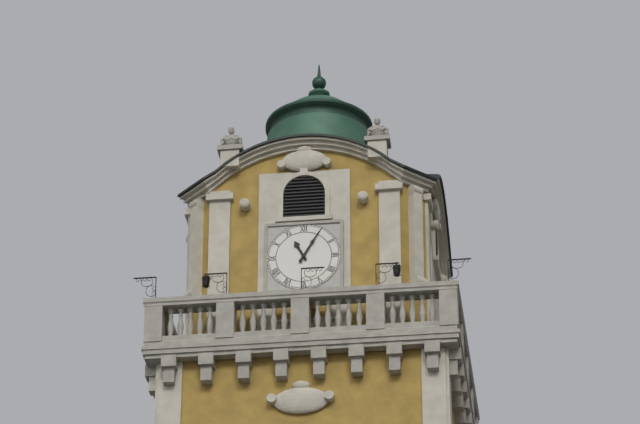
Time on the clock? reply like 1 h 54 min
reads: 11 h 05 min
